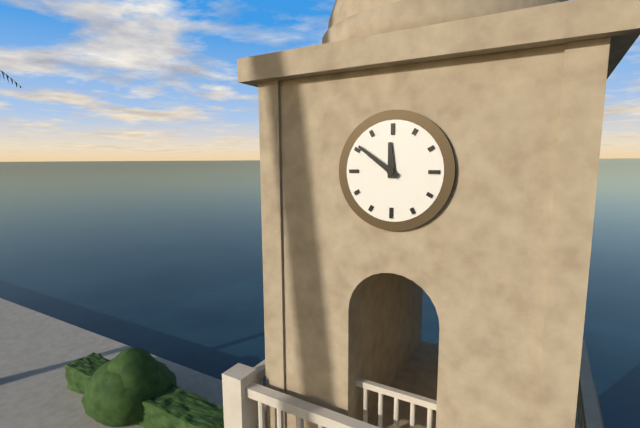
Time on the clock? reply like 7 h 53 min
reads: 11 h 51 min
